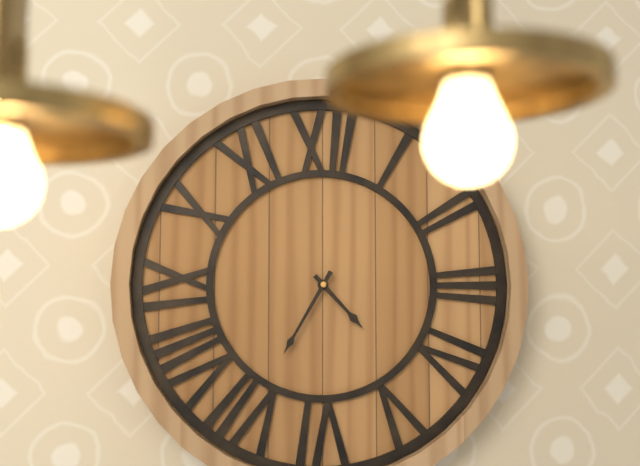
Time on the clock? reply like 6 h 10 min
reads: 4 h 35 min
